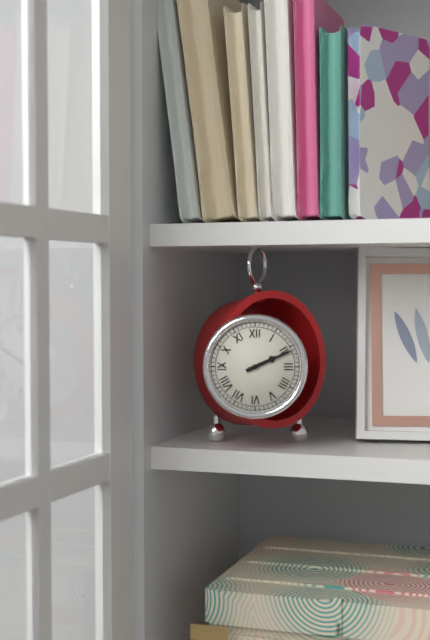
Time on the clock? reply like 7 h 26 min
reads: 2 h 11 min
